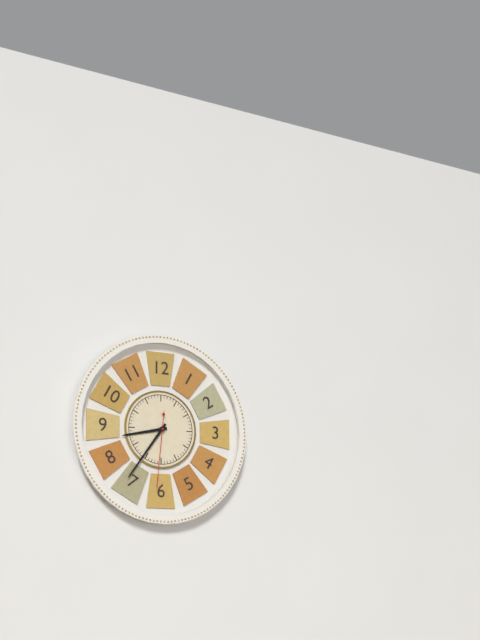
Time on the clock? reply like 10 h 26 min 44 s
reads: 8 h 36 min 31 s
